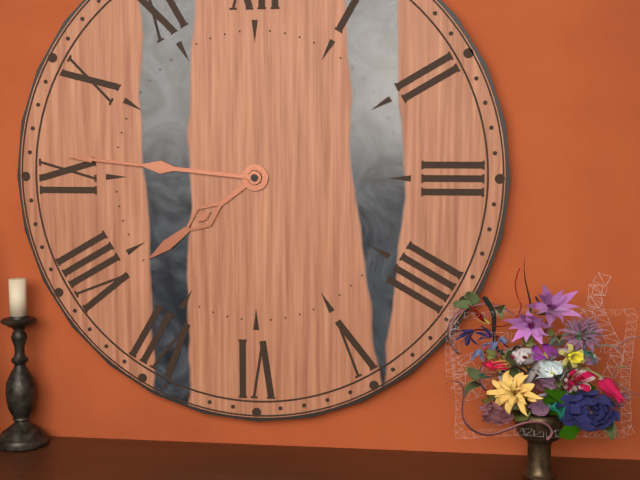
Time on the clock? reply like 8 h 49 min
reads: 7 h 46 min
